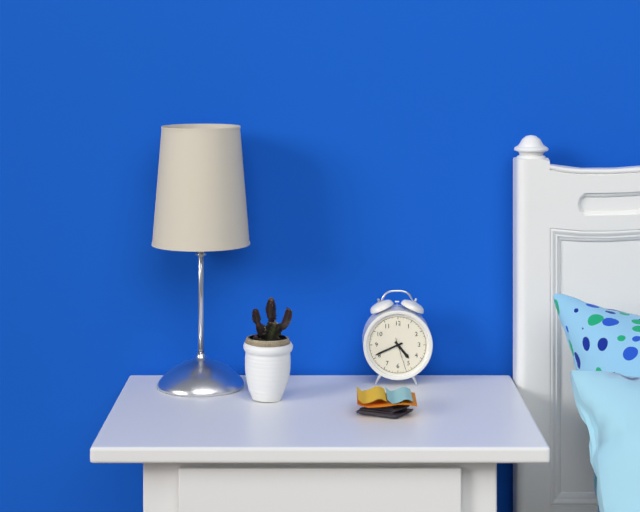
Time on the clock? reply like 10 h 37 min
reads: 4 h 41 min
